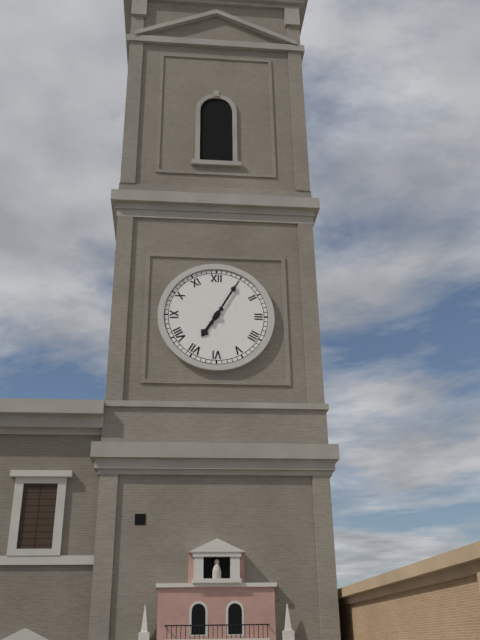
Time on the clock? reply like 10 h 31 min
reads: 7 h 05 min
